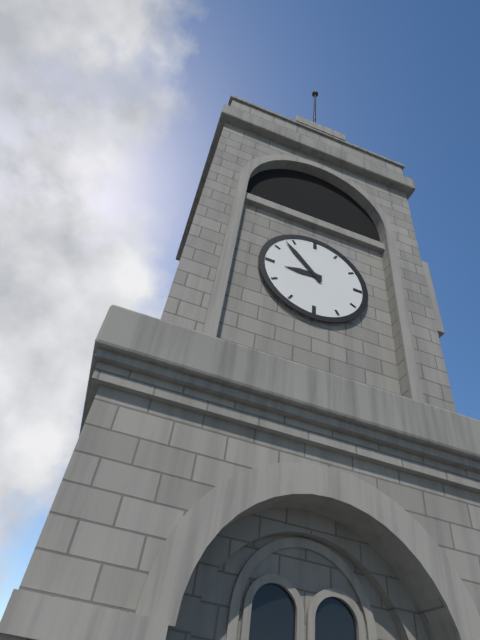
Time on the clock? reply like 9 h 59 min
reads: 8 h 53 min
